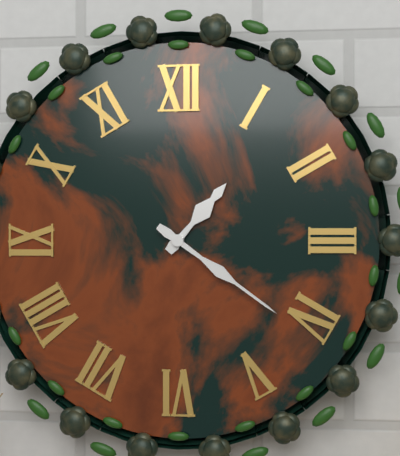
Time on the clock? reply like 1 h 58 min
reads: 1 h 21 min
